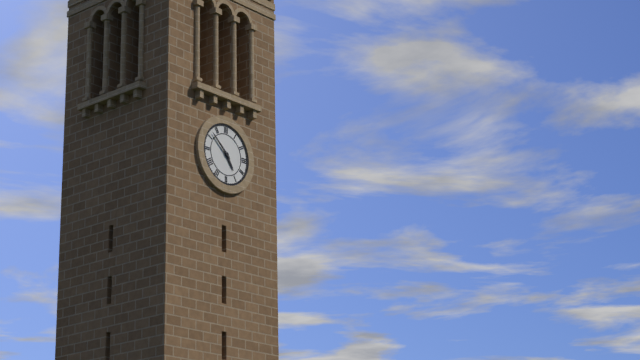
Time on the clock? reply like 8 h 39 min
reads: 4 h 52 min
